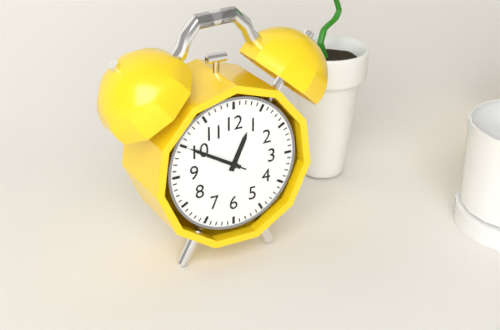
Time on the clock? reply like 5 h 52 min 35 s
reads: 12 h 50 min 50 s
